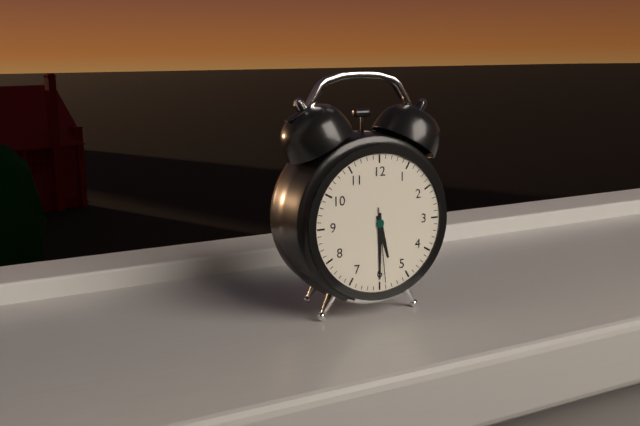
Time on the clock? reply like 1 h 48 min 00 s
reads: 5 h 30 min 29 s
